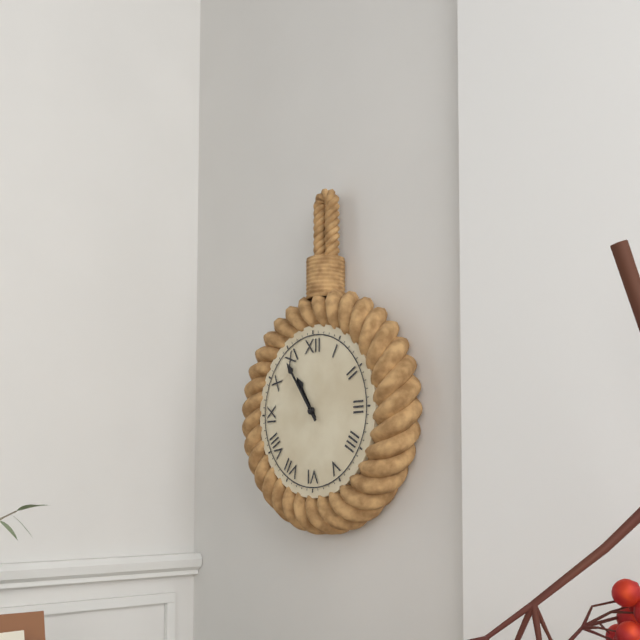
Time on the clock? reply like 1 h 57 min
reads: 10 h 54 min
